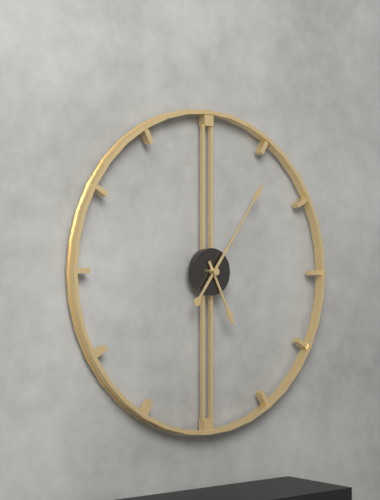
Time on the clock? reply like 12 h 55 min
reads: 5 h 06 min
